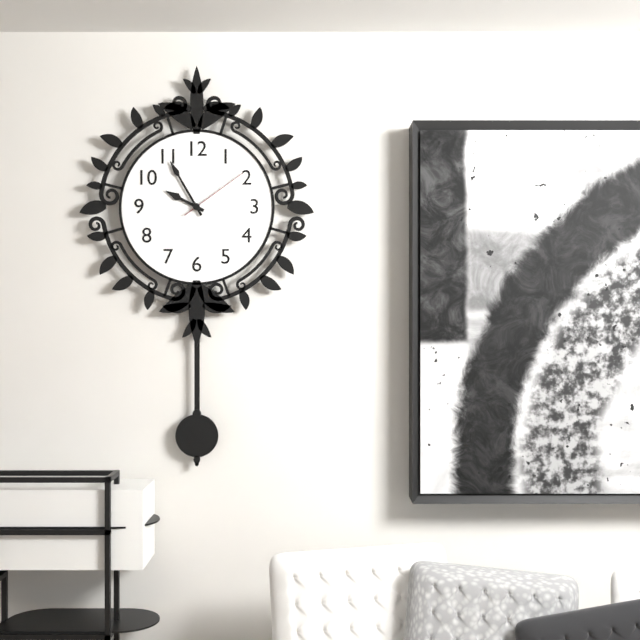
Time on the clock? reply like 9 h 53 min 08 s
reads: 9 h 55 min 09 s
